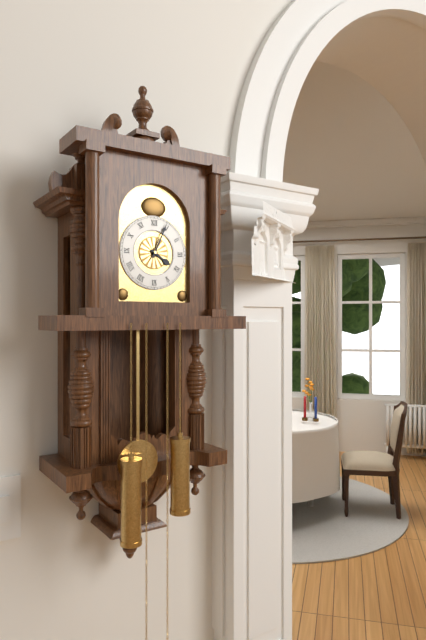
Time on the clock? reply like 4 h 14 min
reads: 4 h 04 min
